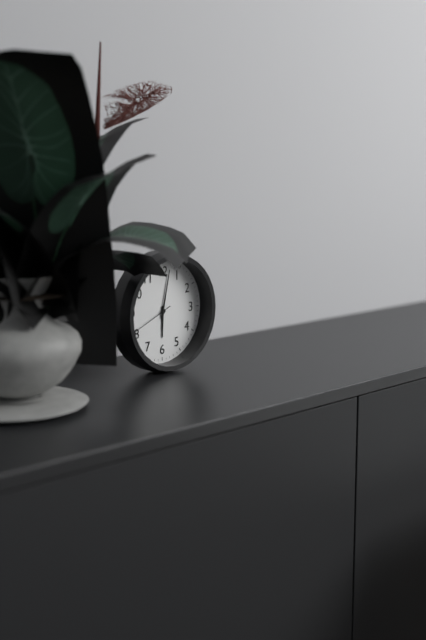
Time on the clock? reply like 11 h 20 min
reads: 6 h 02 min
